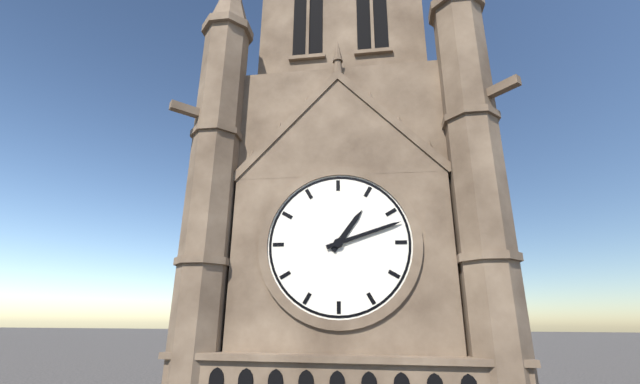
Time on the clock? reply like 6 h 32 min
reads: 1 h 12 min
